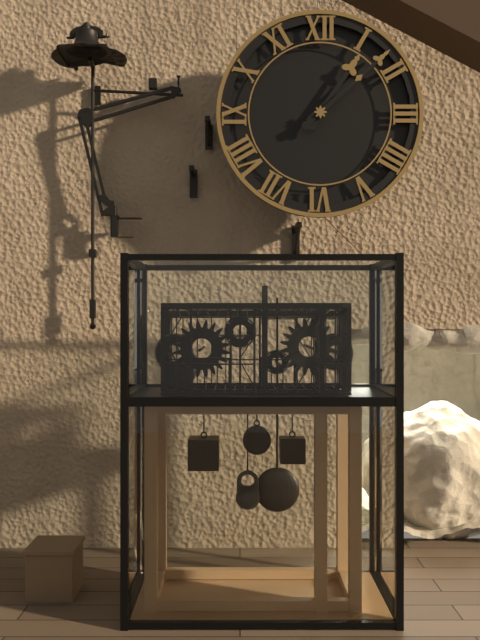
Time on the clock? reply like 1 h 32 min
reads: 1 h 08 min
